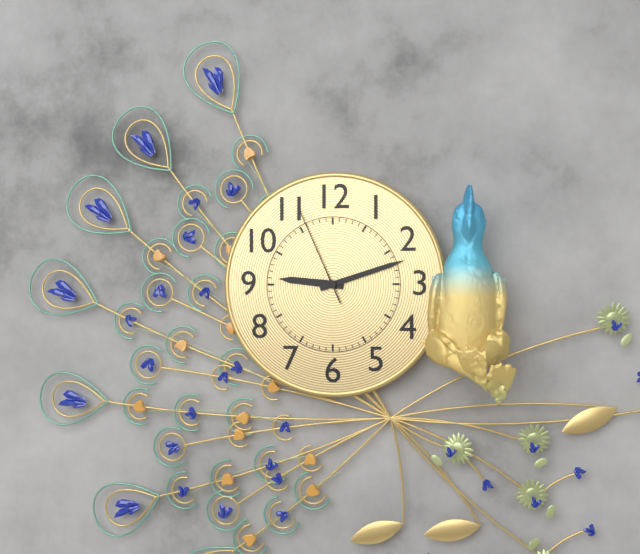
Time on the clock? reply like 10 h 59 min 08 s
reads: 9 h 12 min 56 s
